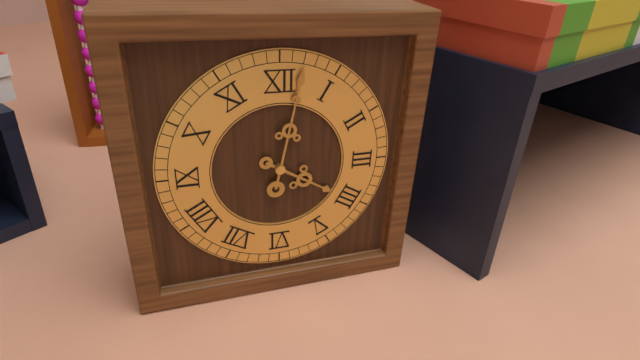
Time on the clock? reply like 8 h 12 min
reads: 4 h 02 min
